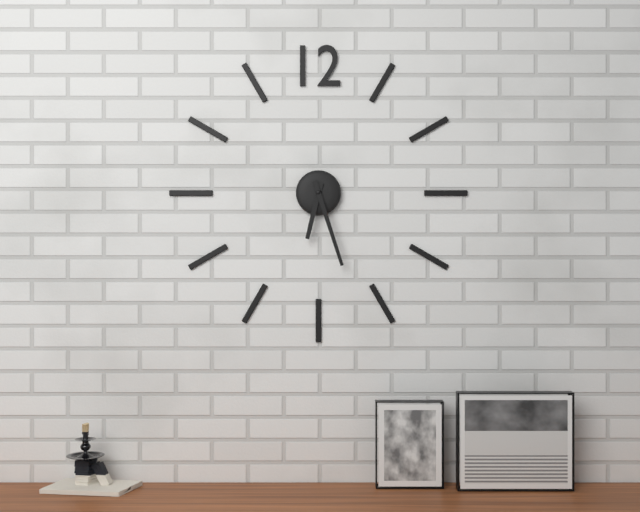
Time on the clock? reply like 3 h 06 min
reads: 6 h 27 min
